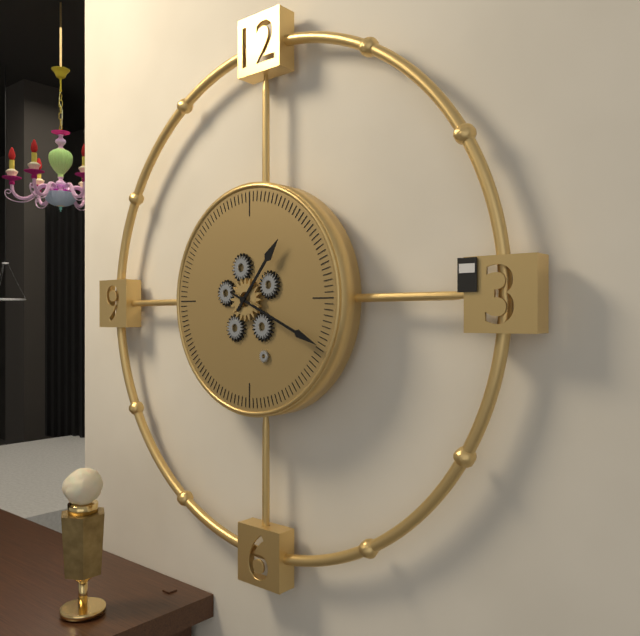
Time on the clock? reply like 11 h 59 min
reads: 1 h 19 min
